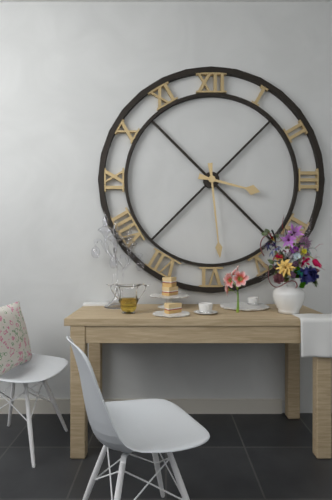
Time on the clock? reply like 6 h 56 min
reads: 3 h 29 min
